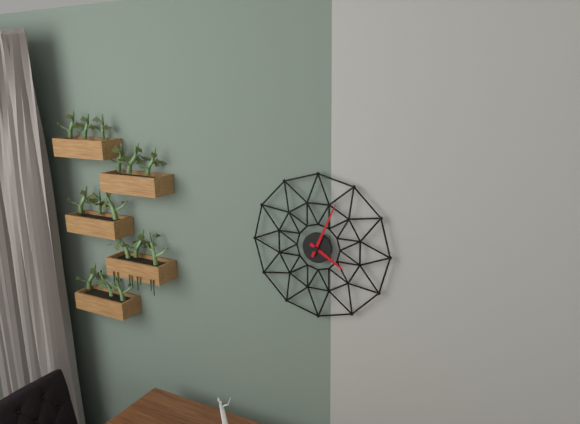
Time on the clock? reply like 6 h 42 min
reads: 4 h 04 min
